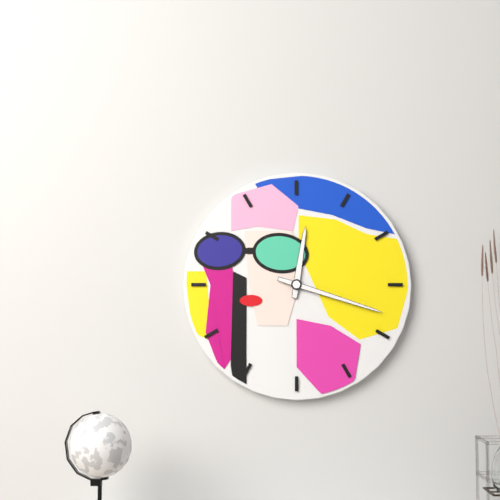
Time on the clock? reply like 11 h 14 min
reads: 12 h 18 min
